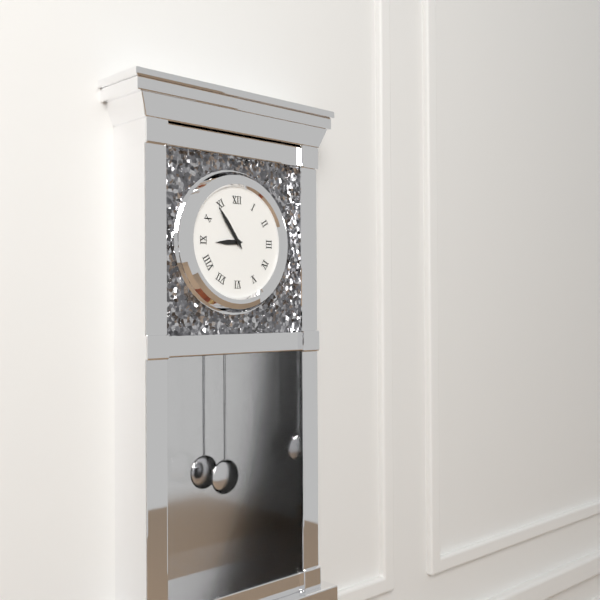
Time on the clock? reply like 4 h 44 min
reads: 8 h 54 min
